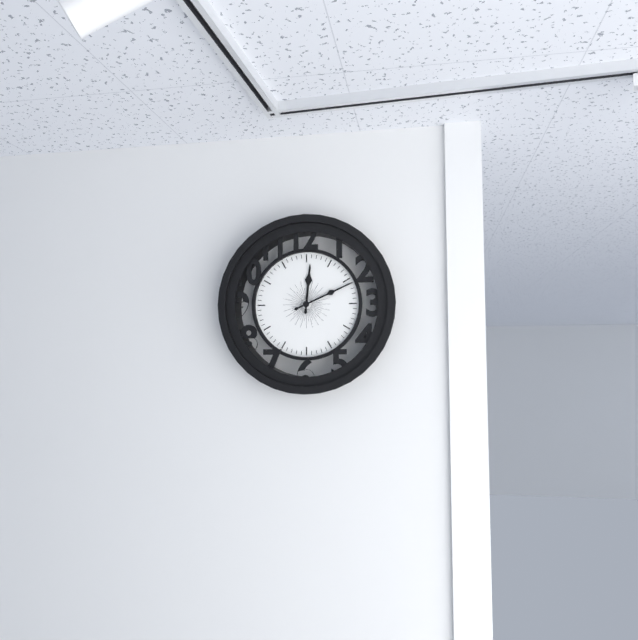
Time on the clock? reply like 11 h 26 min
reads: 12 h 11 min
